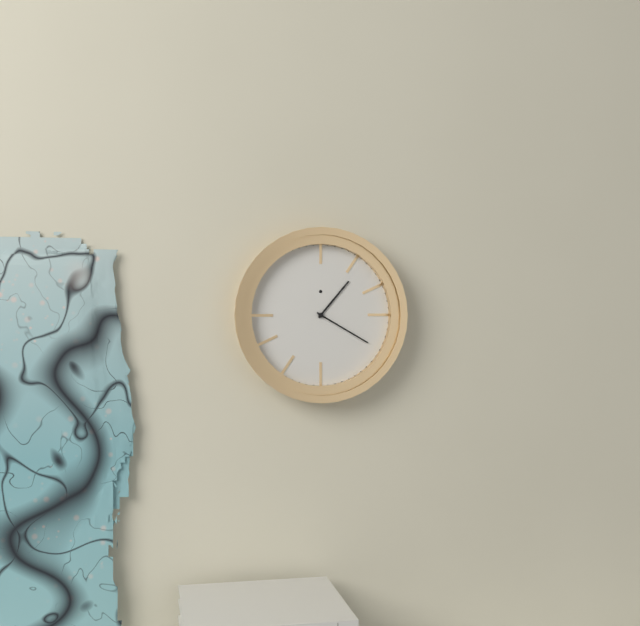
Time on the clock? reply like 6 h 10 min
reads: 1 h 20 min
